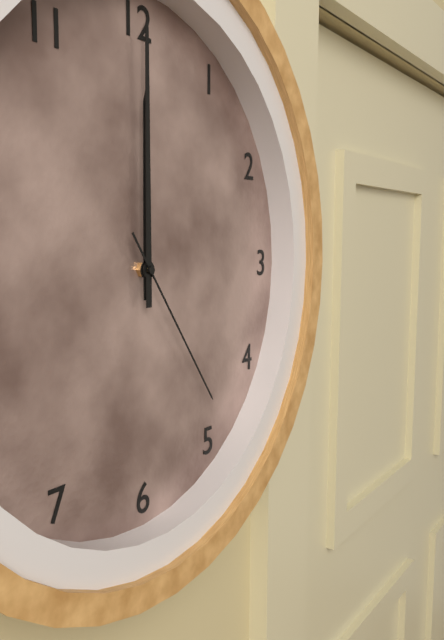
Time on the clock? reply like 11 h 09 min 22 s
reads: 12 h 00 min 24 s
